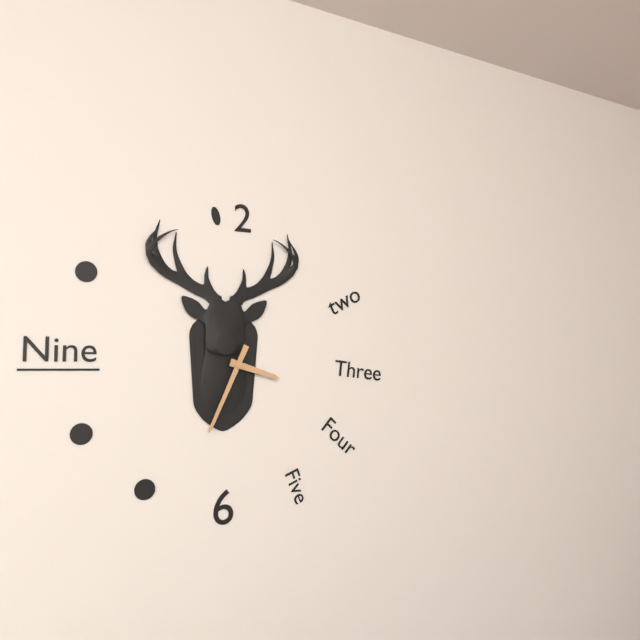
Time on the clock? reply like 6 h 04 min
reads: 3 h 34 min
